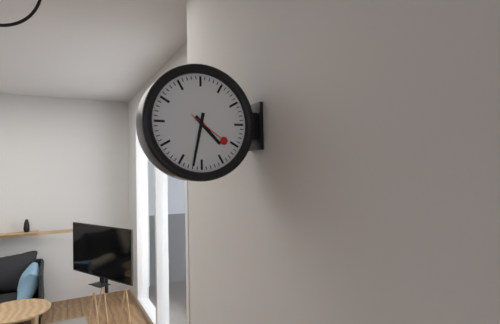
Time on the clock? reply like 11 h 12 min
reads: 4 h 32 min
